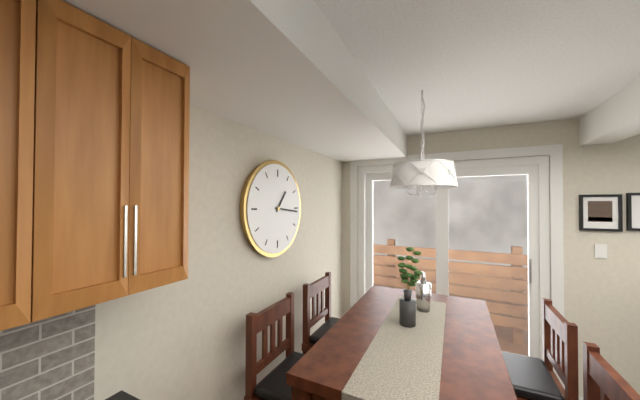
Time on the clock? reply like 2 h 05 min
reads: 1 h 16 min
